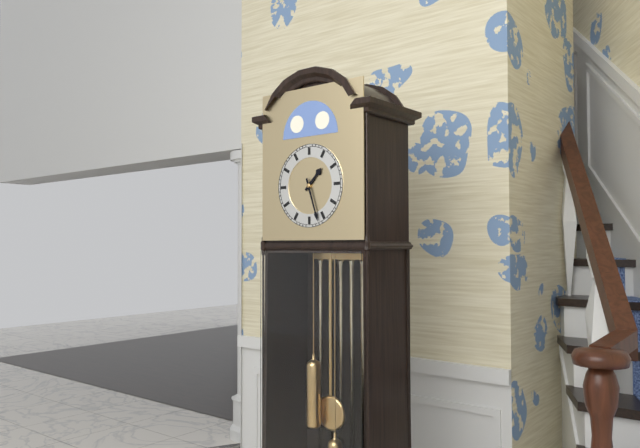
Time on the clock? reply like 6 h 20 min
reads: 1 h 27 min
